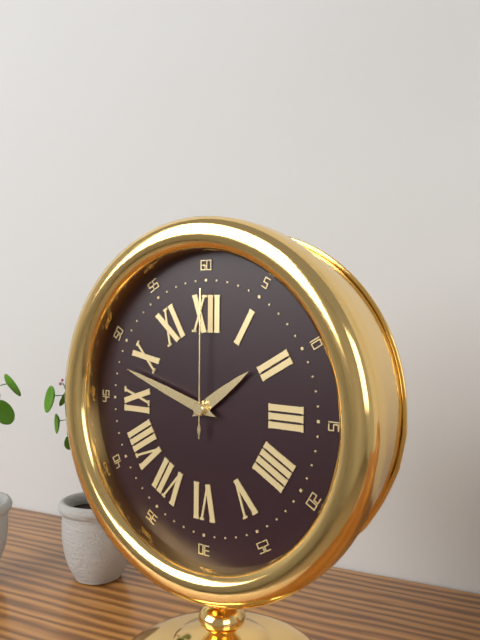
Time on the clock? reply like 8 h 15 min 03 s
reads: 1 h 48 min 00 s
